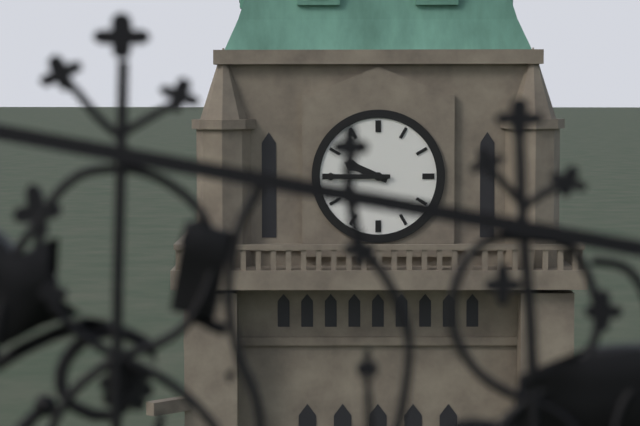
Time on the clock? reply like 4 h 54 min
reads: 9 h 45 min
